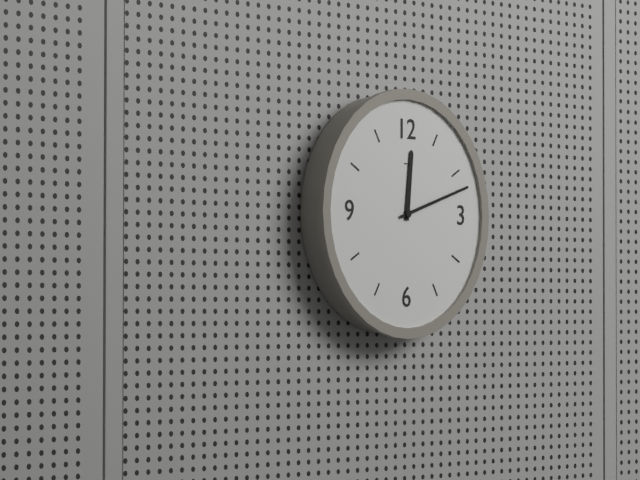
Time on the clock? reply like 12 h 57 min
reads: 12 h 12 min
